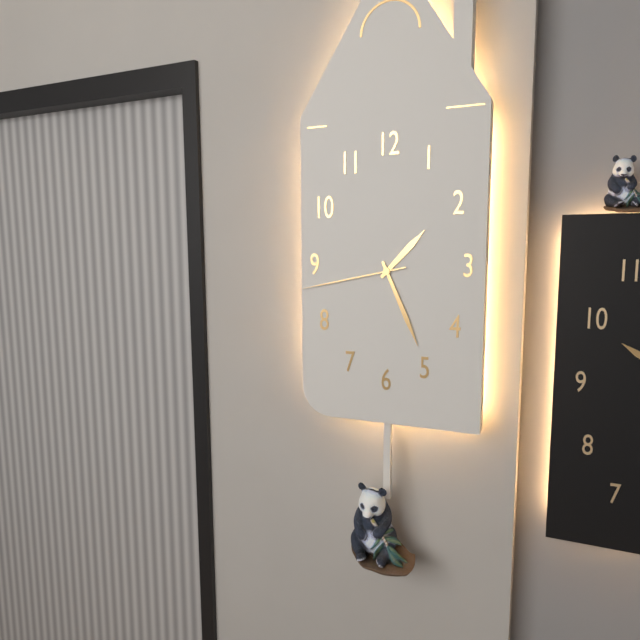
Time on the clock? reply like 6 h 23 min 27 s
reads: 1 h 26 min 43 s
